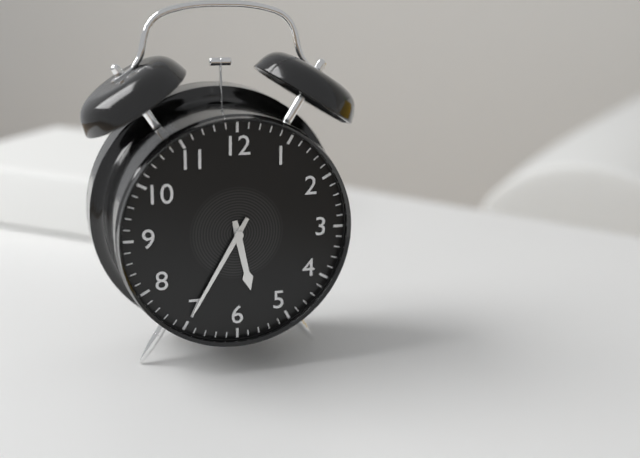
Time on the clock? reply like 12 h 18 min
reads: 5 h 35 min
